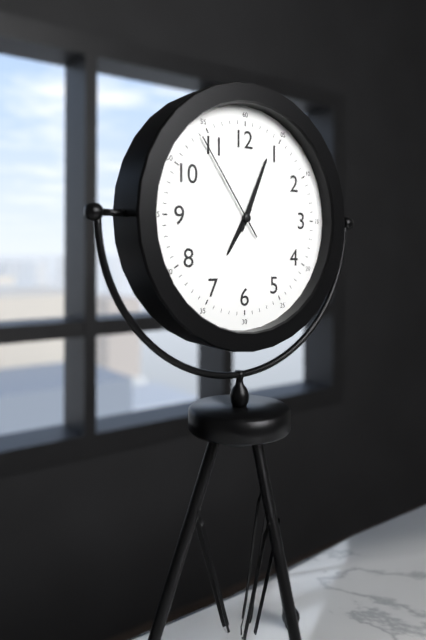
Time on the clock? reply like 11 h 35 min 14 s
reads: 7 h 04 min 54 s
